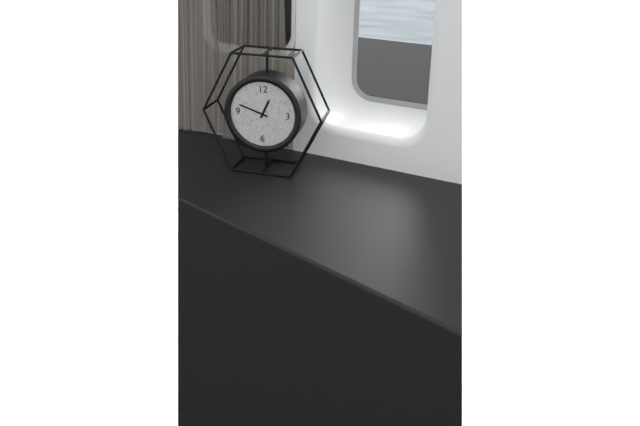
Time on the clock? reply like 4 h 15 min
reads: 12 h 48 min
